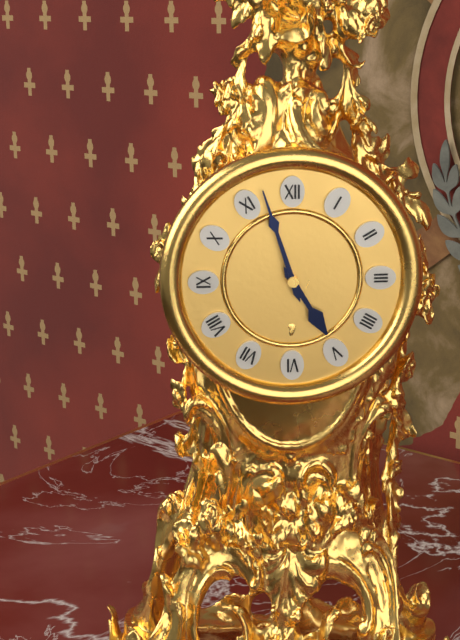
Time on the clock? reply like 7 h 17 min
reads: 4 h 57 min
